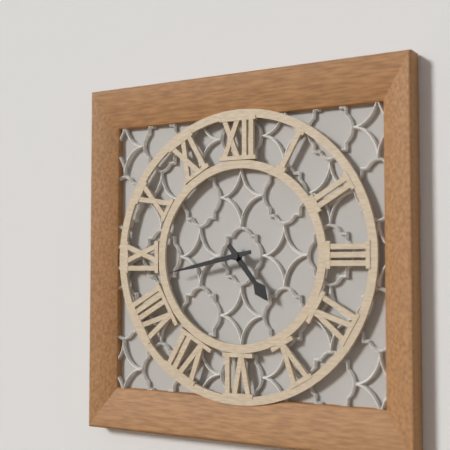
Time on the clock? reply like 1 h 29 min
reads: 4 h 43 min
